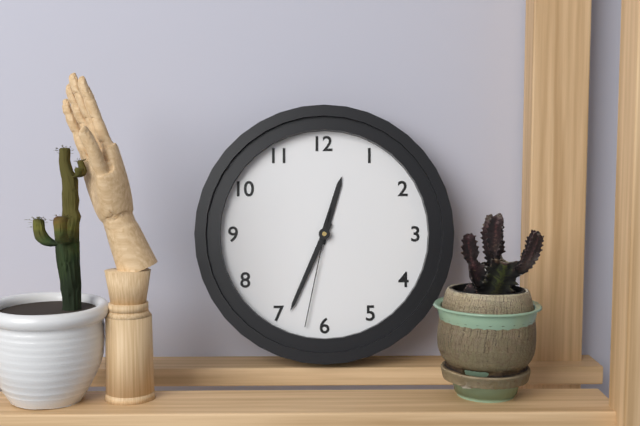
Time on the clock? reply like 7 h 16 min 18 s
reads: 12 h 34 min 32 s
